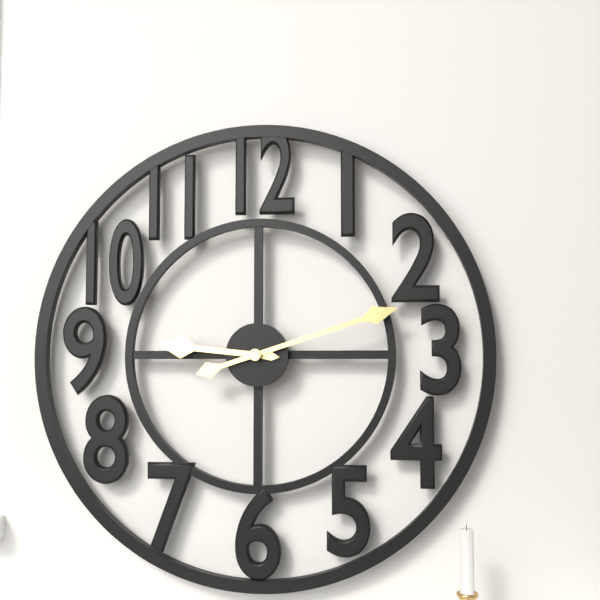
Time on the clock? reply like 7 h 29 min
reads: 9 h 12 min
